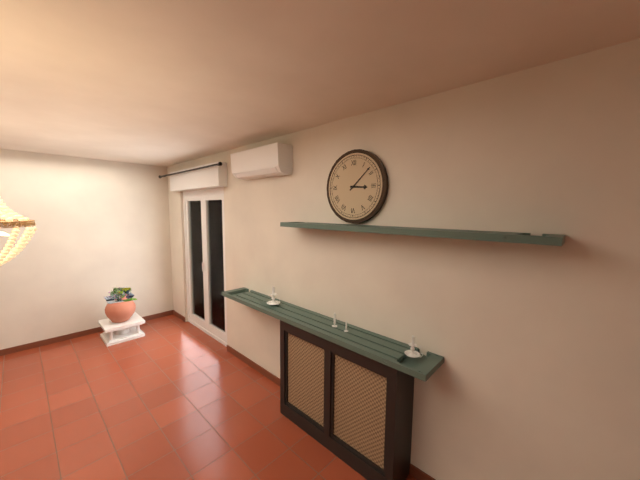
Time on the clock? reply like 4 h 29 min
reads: 3 h 08 min
